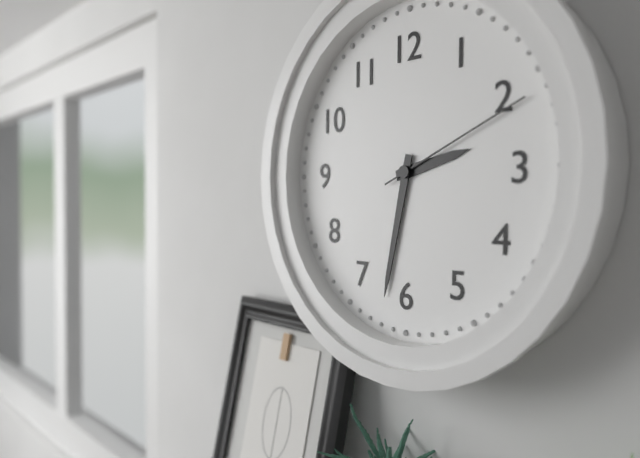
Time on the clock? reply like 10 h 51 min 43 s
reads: 2 h 32 min 11 s
